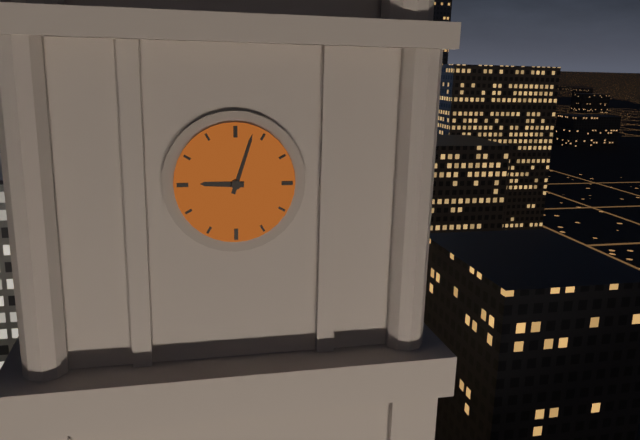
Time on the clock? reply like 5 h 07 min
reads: 9 h 03 min
